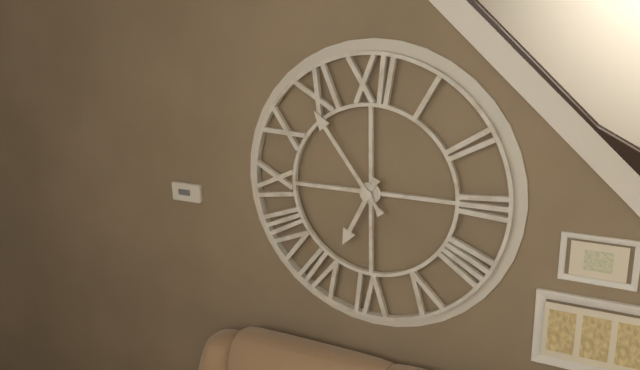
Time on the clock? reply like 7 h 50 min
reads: 6 h 54 min
